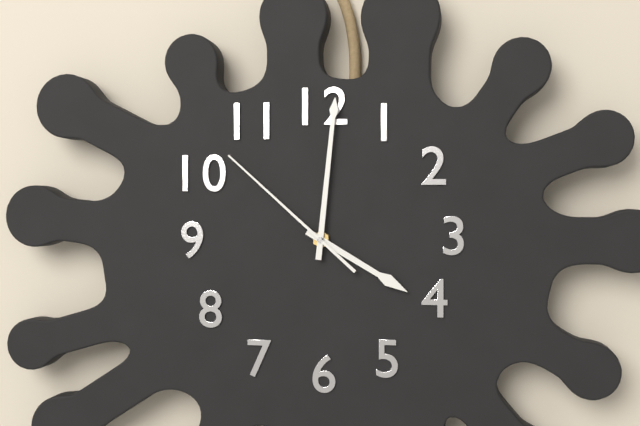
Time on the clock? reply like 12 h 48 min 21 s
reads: 4 h 01 min 52 s
